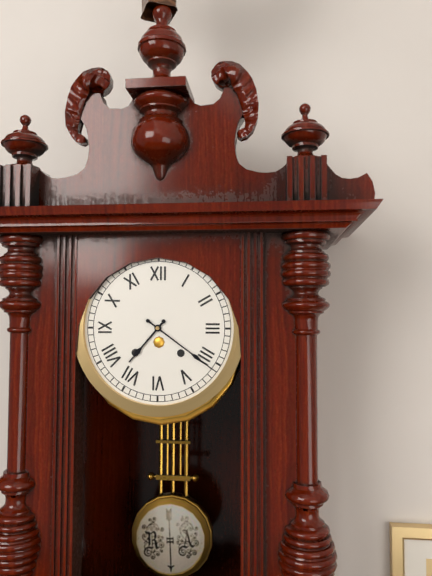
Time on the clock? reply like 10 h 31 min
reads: 7 h 21 min
